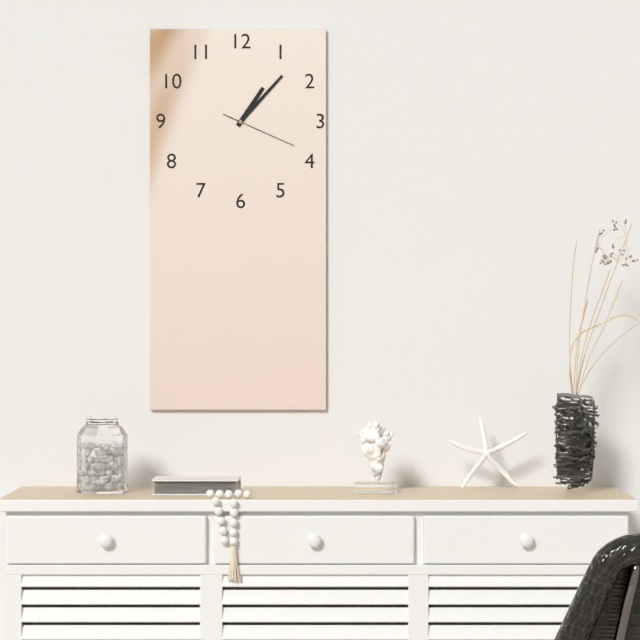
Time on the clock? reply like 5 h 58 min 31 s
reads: 1 h 07 min 19 s
